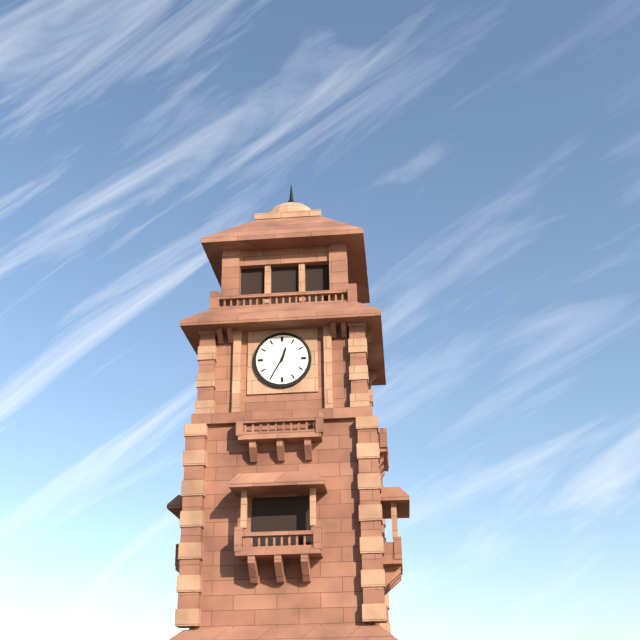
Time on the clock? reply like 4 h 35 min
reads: 12 h 35 min
